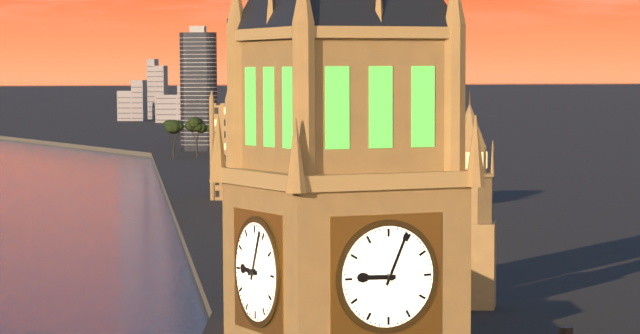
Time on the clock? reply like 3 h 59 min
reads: 9 h 04 min
